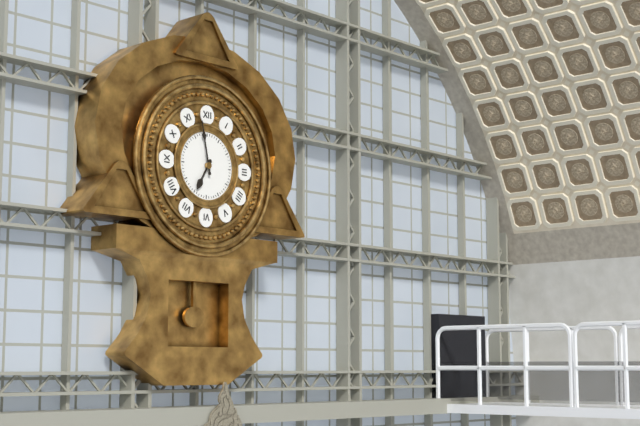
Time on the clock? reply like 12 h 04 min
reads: 6 h 58 min
